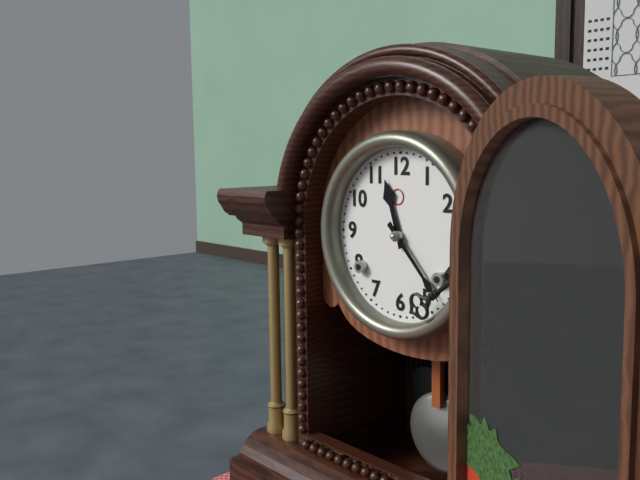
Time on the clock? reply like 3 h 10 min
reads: 11 h 23 min
